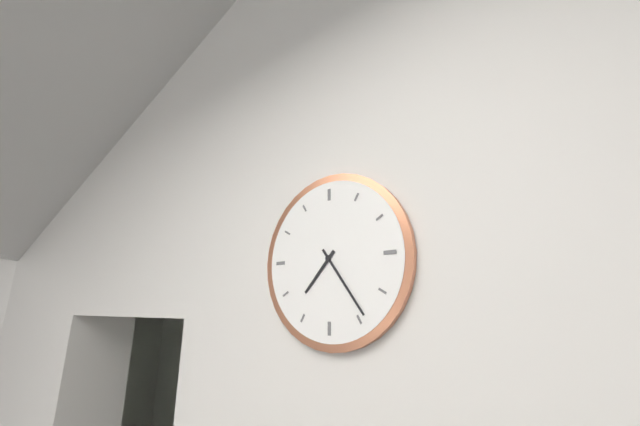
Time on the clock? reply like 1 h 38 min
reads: 7 h 24 min
